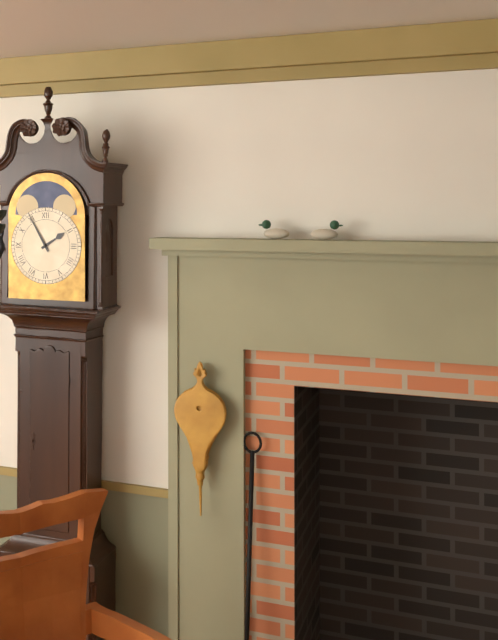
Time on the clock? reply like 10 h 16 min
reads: 1 h 55 min
